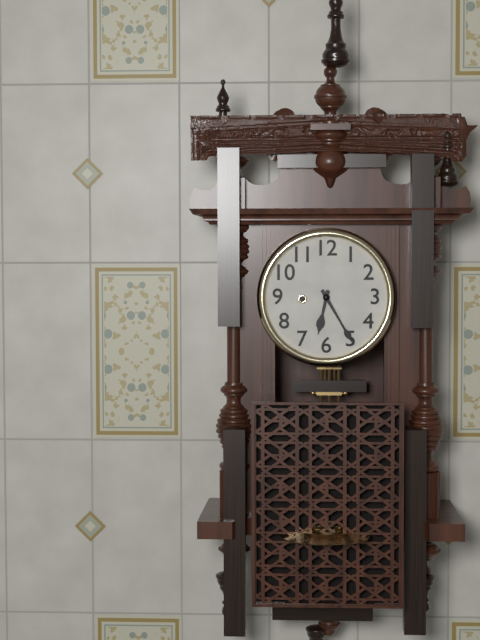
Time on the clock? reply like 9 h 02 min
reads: 6 h 25 min
